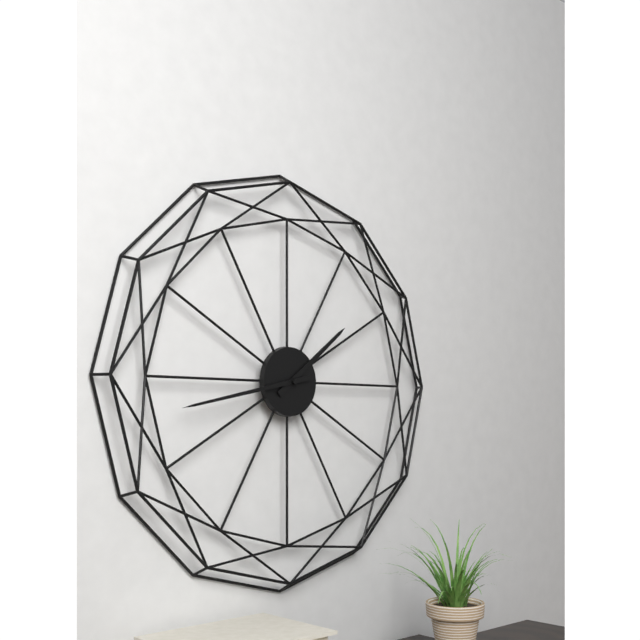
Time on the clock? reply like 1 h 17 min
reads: 1 h 43 min
